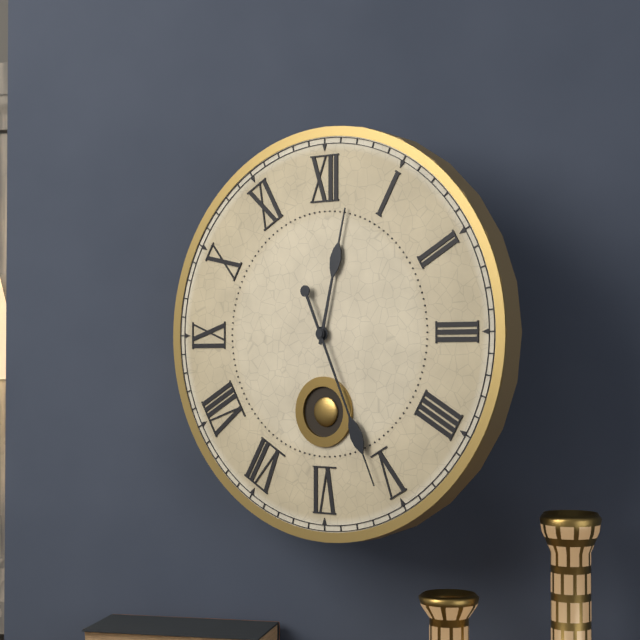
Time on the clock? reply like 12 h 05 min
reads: 12 h 26 min
